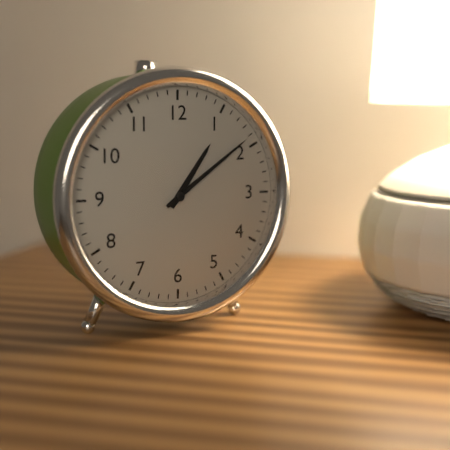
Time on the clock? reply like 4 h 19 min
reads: 1 h 09 min
